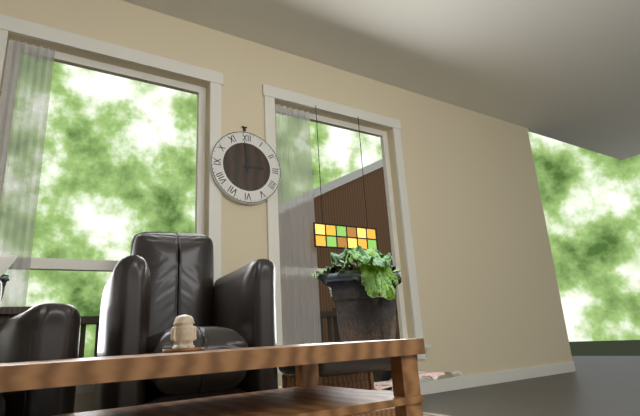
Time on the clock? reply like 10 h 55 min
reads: 2 h 59 min
